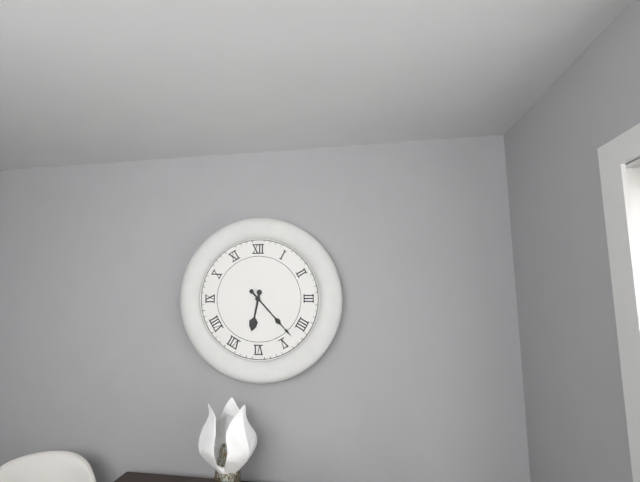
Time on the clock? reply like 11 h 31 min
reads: 6 h 23 min
